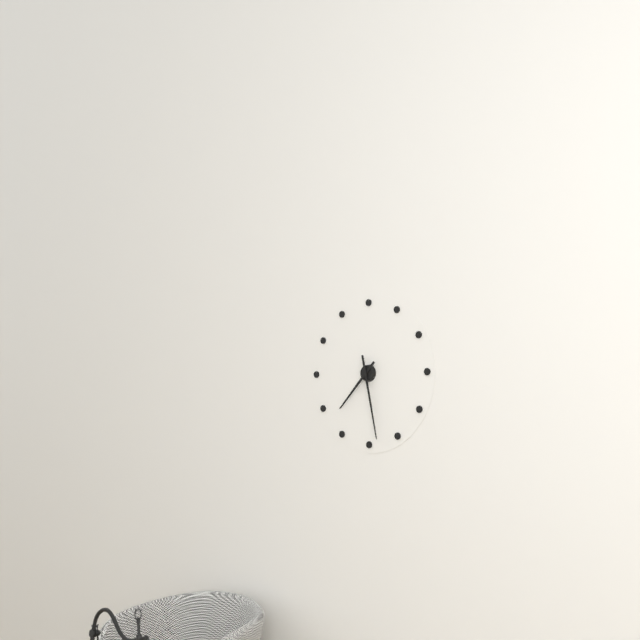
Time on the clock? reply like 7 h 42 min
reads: 7 h 28 min
